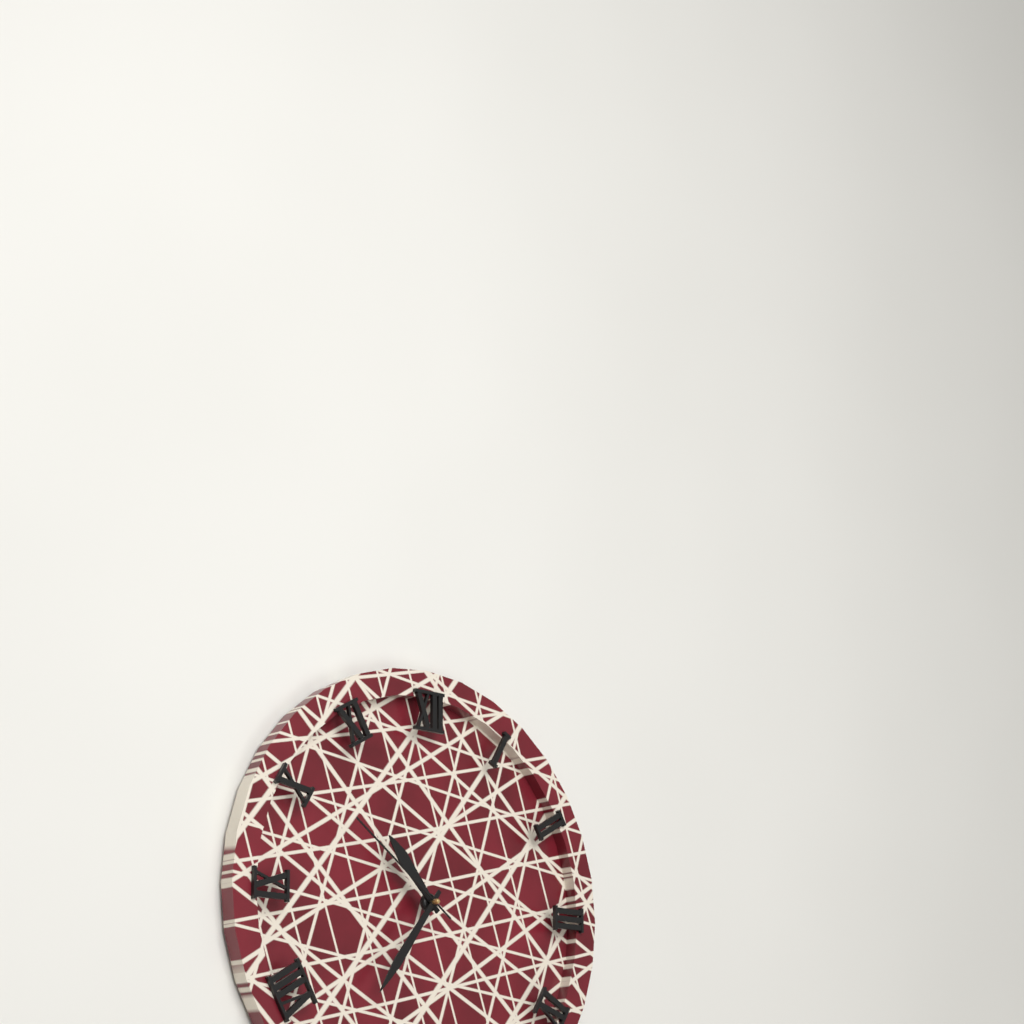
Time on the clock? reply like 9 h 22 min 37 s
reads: 10 h 36 min 51 s
